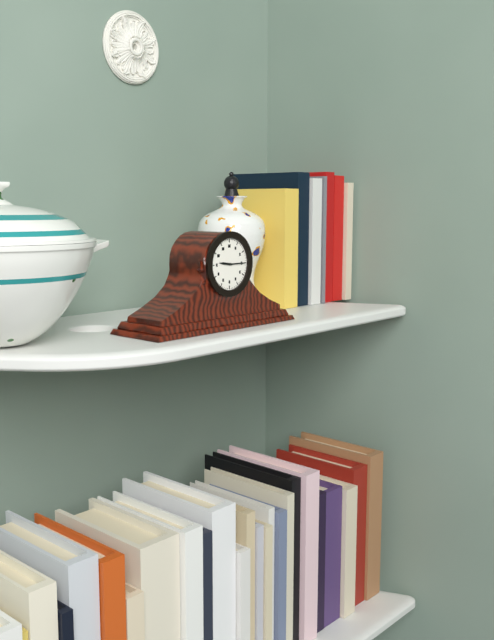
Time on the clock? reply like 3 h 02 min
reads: 9 h 15 min
